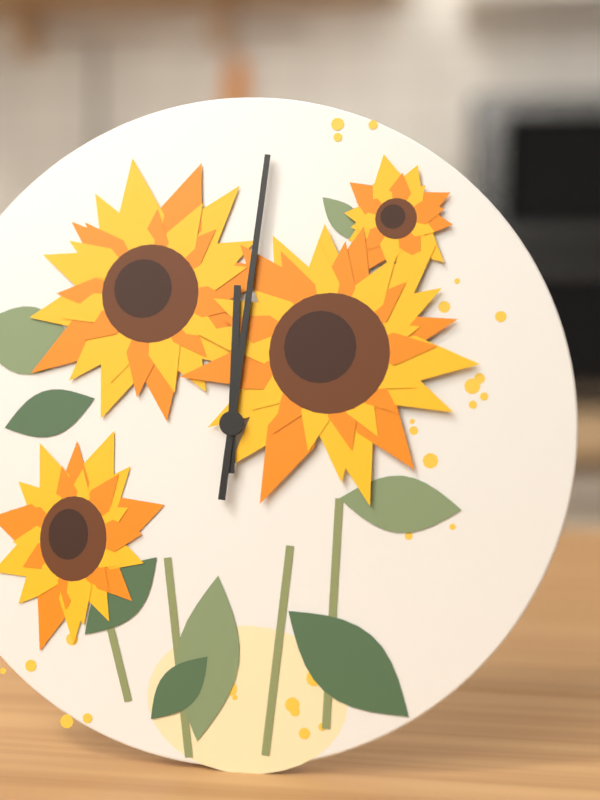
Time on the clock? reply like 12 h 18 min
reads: 12 h 01 min
